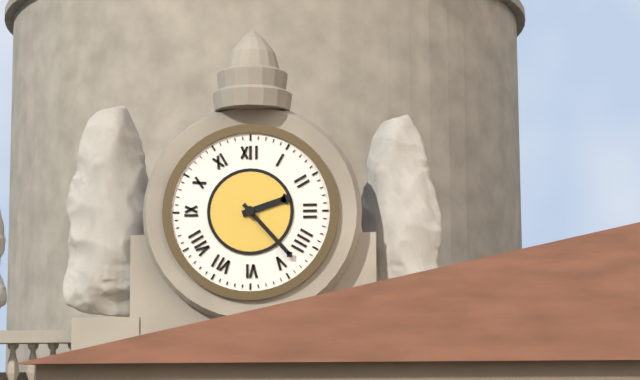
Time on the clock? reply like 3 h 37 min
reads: 2 h 23 min
